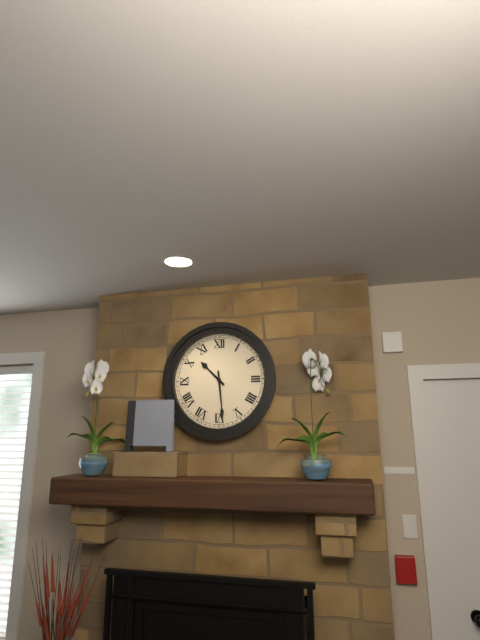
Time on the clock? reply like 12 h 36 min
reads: 10 h 29 min
